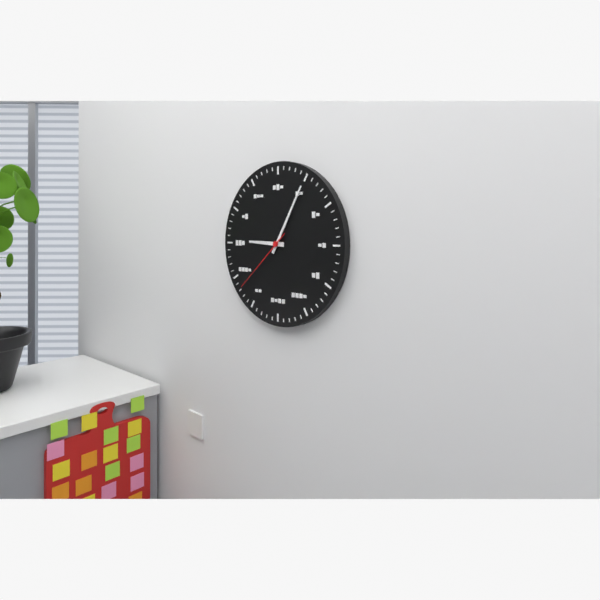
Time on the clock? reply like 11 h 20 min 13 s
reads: 9 h 05 min 38 s
